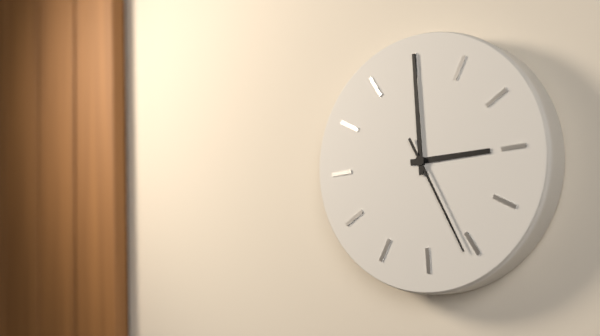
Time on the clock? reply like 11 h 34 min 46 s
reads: 3 h 00 min 26 s
